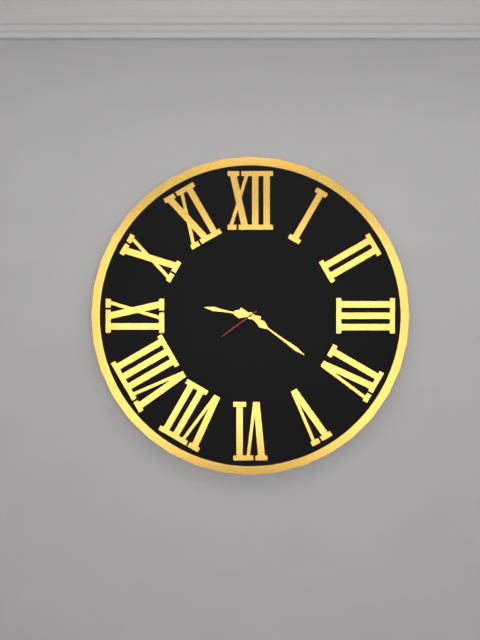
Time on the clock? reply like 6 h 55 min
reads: 9 h 21 min
